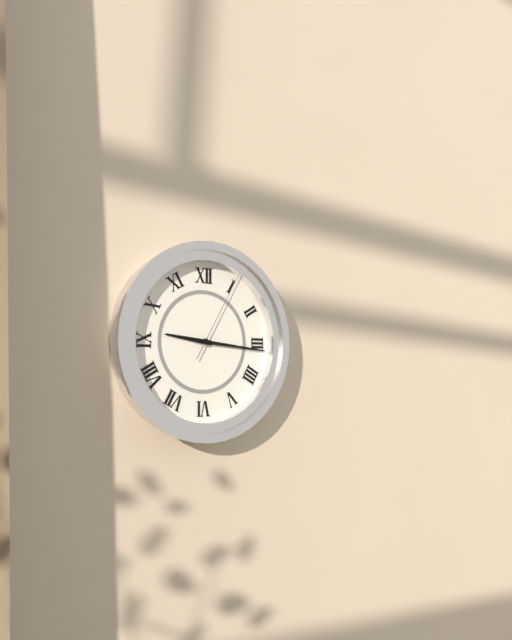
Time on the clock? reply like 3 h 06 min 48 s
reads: 9 h 16 min 05 s
